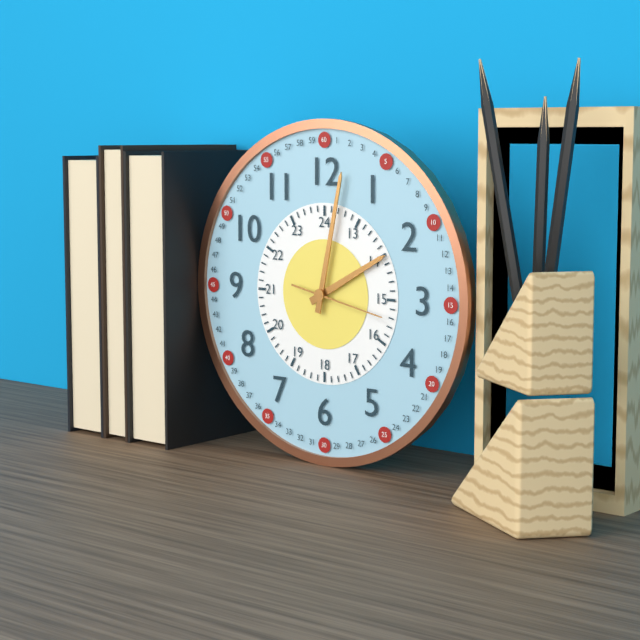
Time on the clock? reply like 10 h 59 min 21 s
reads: 2 h 02 min 17 s
